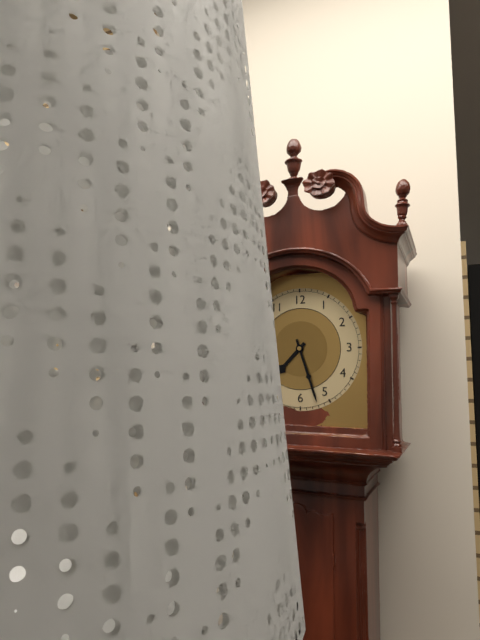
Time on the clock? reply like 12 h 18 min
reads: 7 h 27 min
